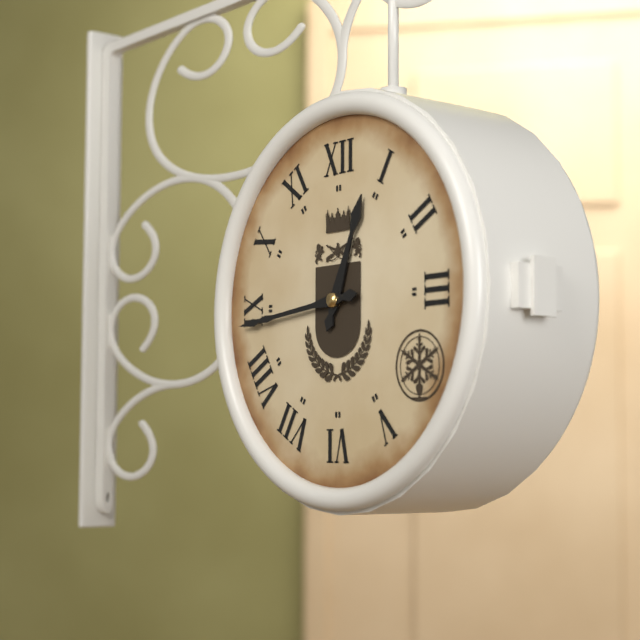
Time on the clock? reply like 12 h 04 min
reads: 12 h 44 min
